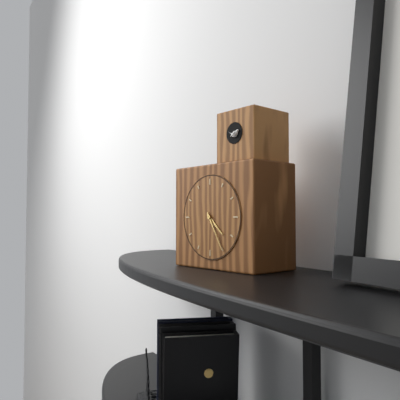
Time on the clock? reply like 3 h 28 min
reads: 4 h 25 min
